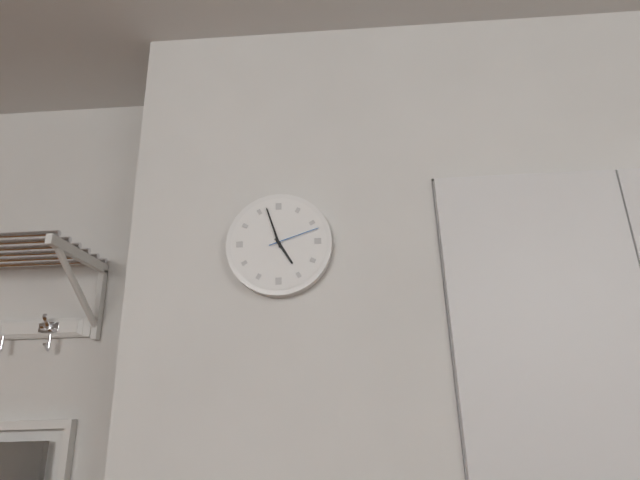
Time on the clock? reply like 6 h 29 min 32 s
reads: 4 h 57 min 12 s
